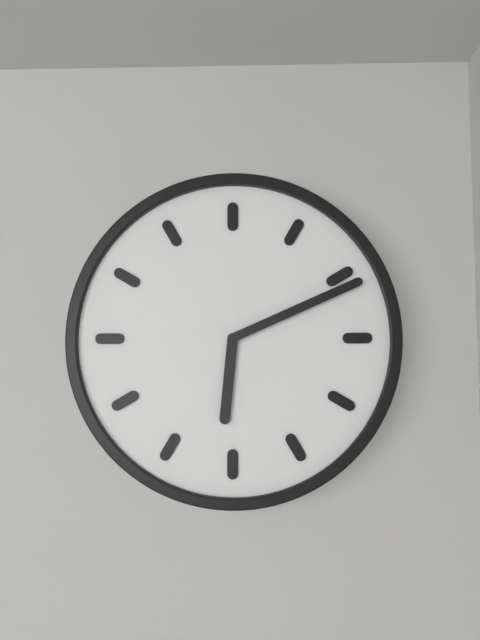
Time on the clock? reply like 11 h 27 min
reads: 6 h 11 min
